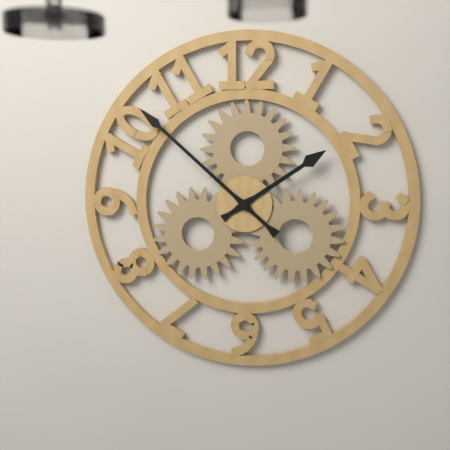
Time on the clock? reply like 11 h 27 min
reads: 1 h 52 min
